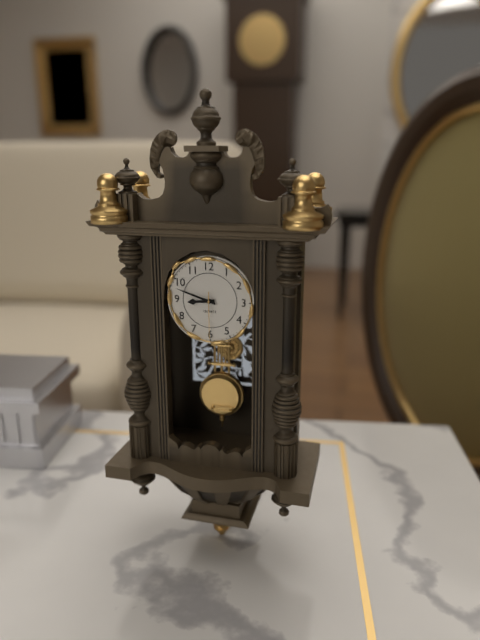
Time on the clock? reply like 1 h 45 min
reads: 8 h 48 min
